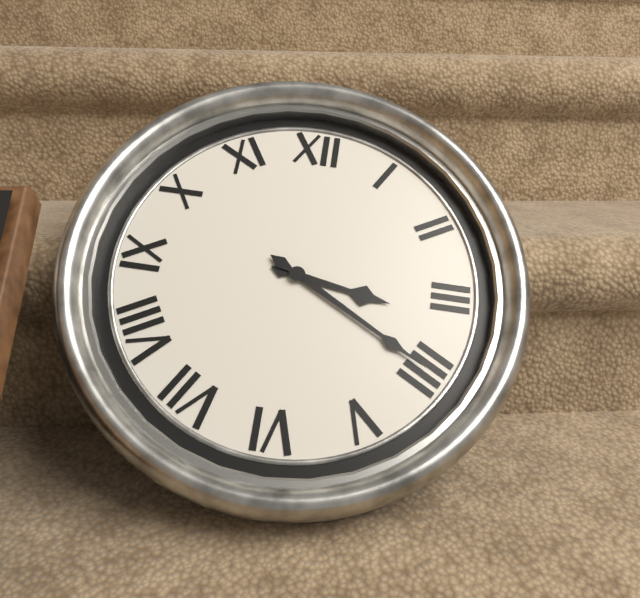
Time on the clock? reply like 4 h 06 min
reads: 3 h 20 min
